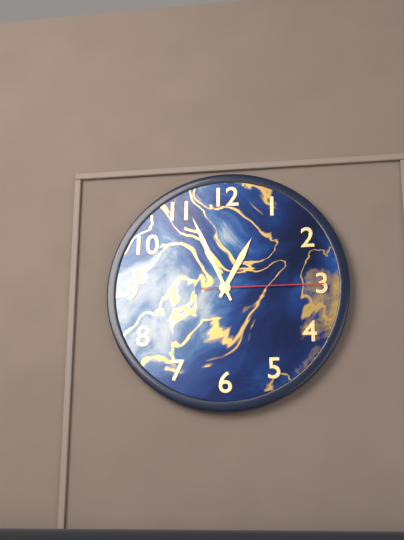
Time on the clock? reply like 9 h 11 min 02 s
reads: 12 h 56 min 15 s
